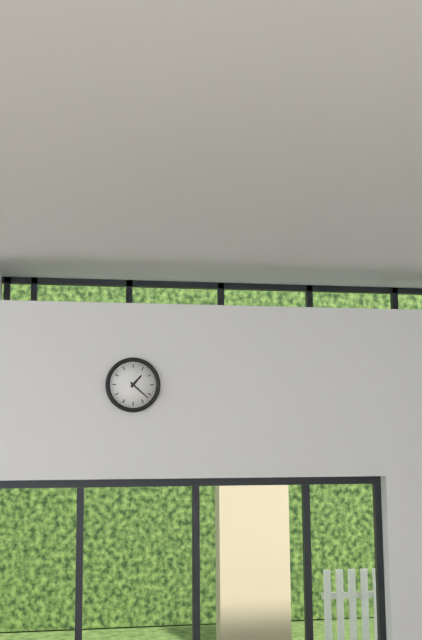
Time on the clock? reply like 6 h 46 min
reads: 1 h 22 min
